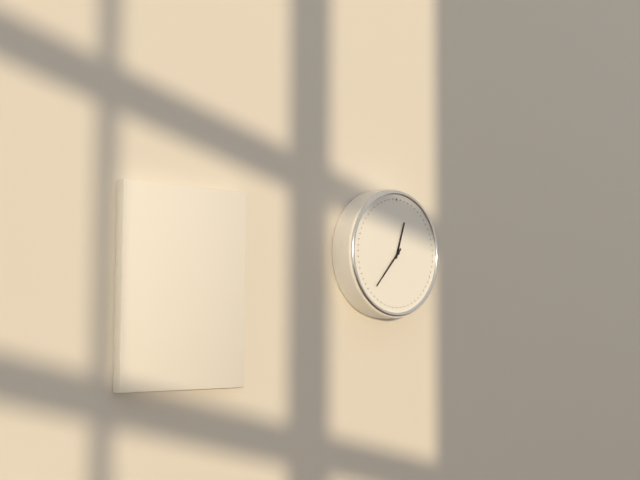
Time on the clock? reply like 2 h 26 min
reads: 12 h 37 min
